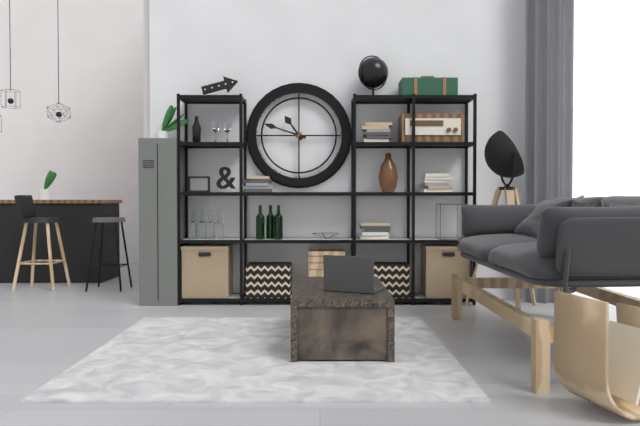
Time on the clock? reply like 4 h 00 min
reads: 10 h 48 min
